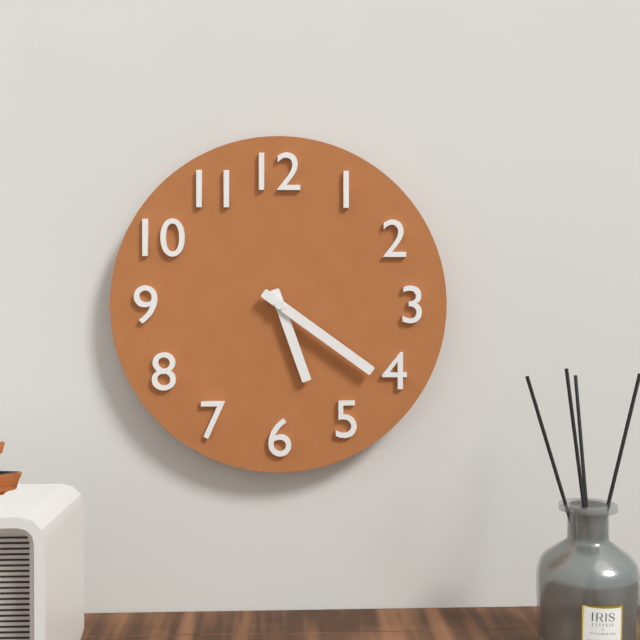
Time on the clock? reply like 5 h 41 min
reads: 5 h 21 min
